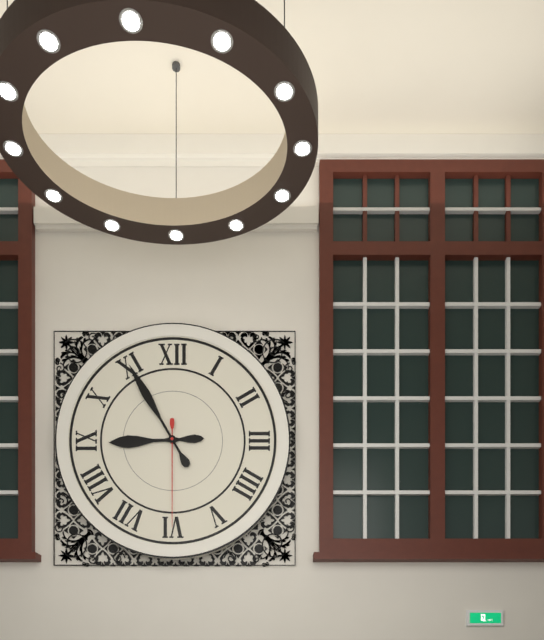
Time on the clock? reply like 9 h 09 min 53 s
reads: 8 h 55 min 30 s
